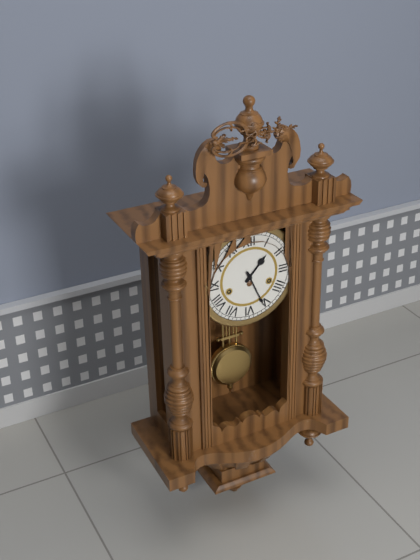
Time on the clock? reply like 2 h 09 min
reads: 1 h 26 min
